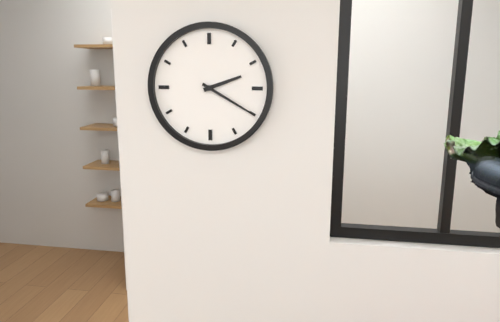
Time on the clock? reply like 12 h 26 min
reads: 2 h 20 min
